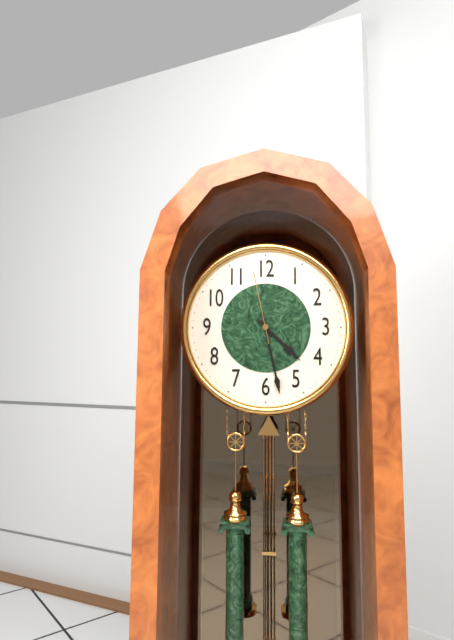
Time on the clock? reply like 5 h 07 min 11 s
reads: 4 h 28 min 58 s
